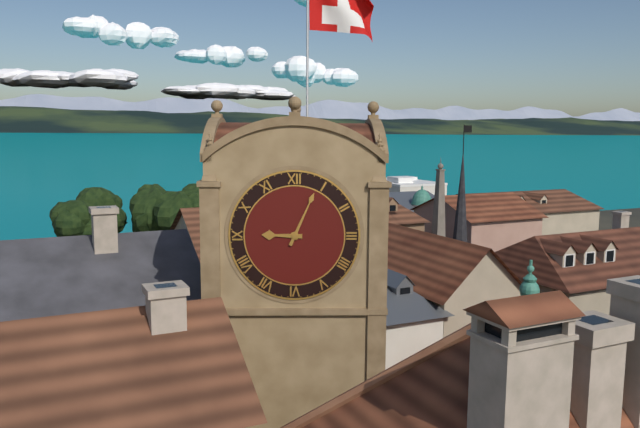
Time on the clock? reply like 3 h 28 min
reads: 9 h 04 min
